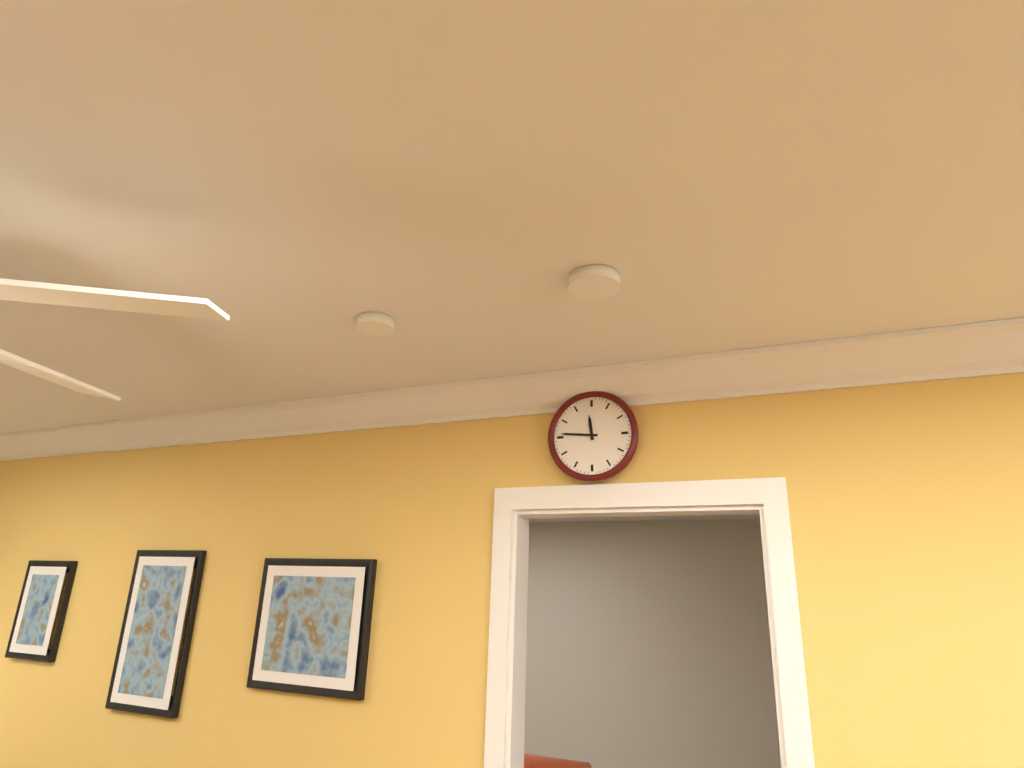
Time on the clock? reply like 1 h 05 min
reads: 11 h 46 min
